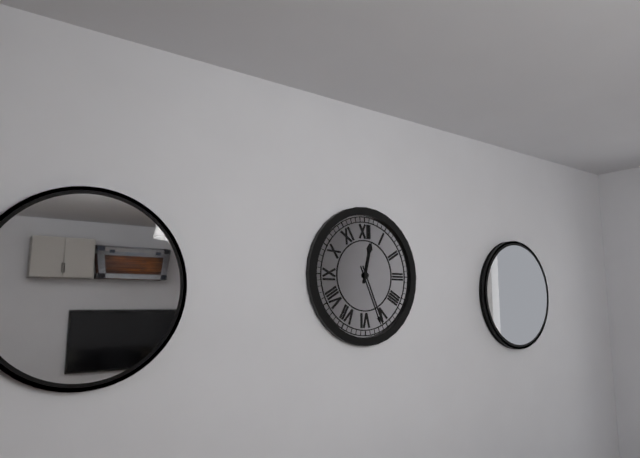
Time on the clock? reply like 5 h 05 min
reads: 12 h 26 min
